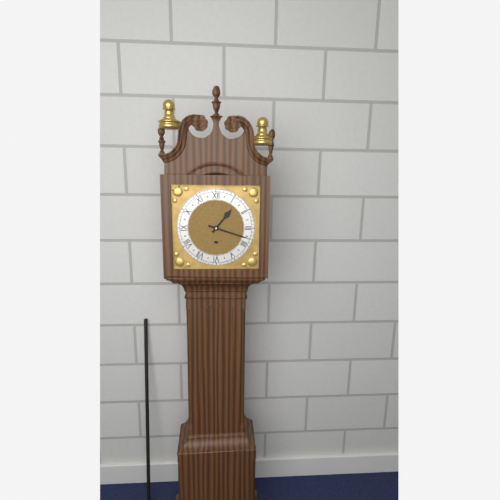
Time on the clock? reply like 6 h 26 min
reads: 1 h 18 min
